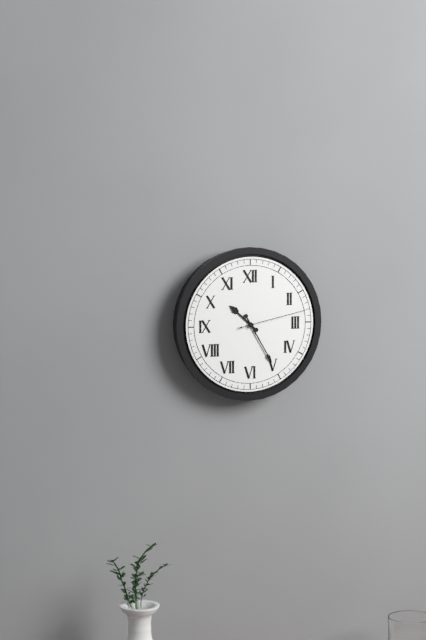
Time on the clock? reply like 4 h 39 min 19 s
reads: 10 h 25 min 13 s
